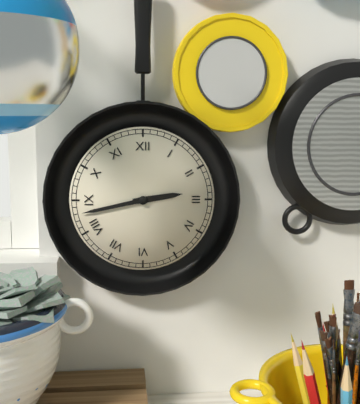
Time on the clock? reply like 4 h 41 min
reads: 2 h 43 min
